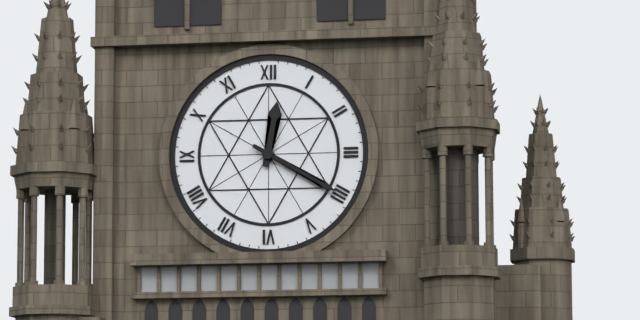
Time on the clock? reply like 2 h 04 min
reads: 12 h 20 min
